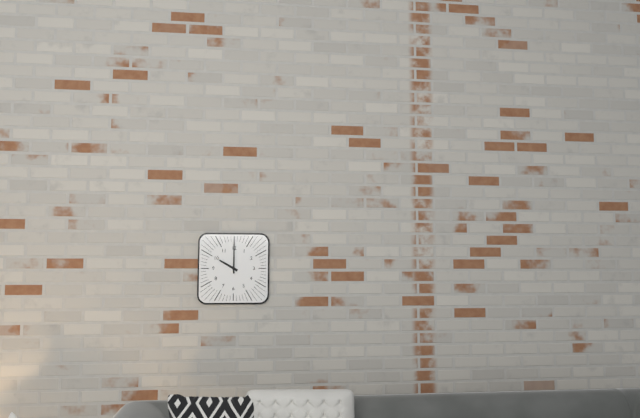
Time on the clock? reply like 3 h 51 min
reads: 10 h 00 min
